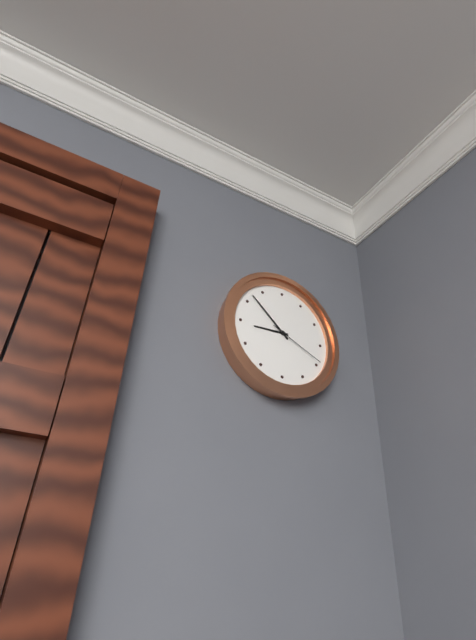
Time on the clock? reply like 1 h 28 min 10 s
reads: 8 h 52 min 19 s
